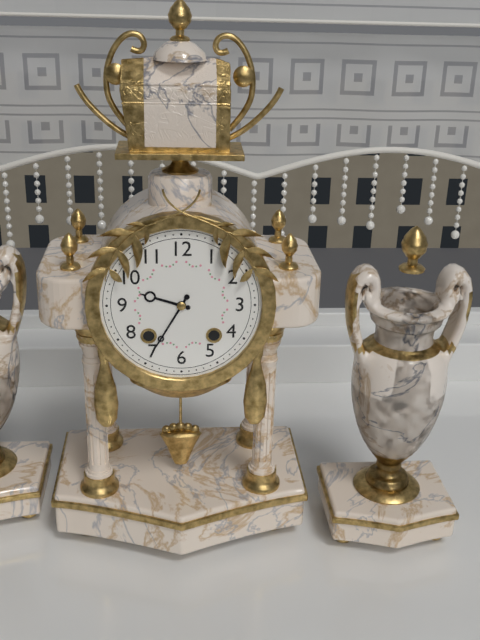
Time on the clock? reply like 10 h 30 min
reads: 9 h 35 min
